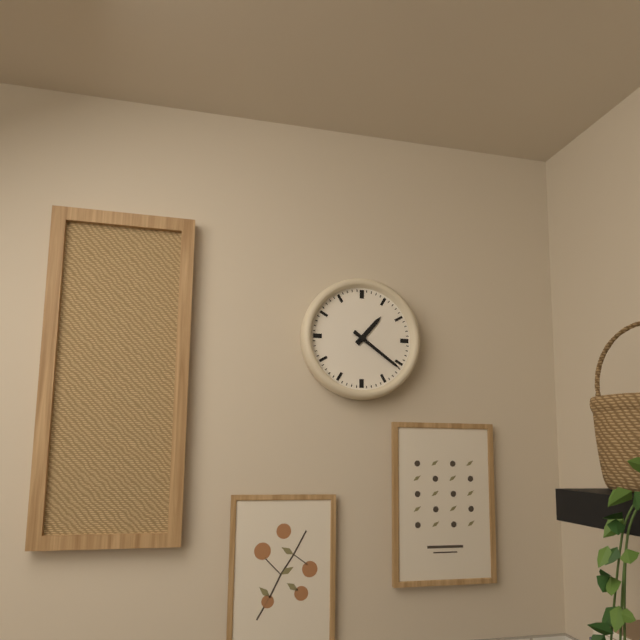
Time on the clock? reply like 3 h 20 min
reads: 1 h 21 min
